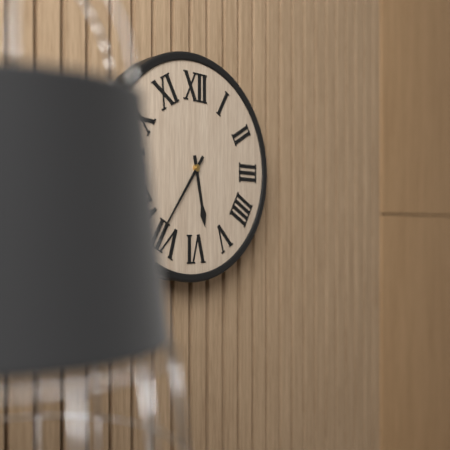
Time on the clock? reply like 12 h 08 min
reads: 5 h 36 min
